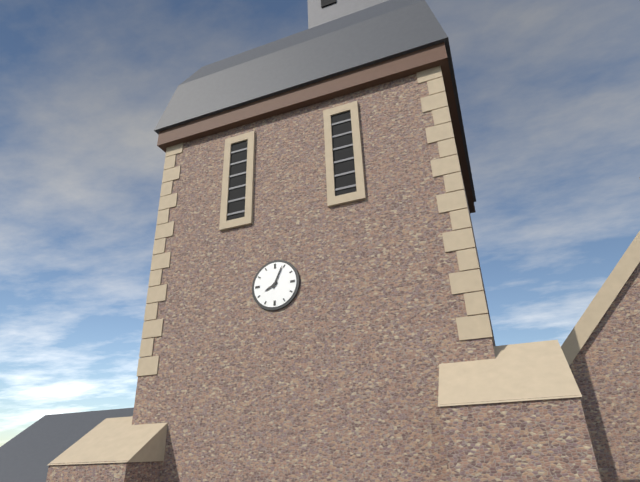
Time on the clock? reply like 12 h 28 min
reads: 8 h 04 min
